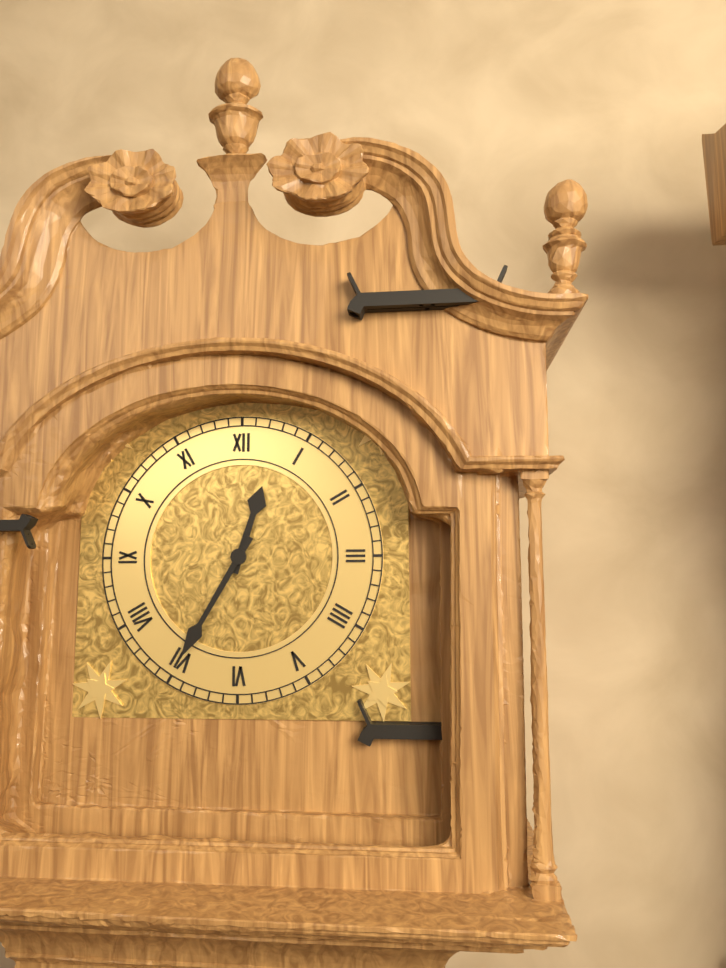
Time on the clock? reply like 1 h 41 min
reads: 12 h 35 min
